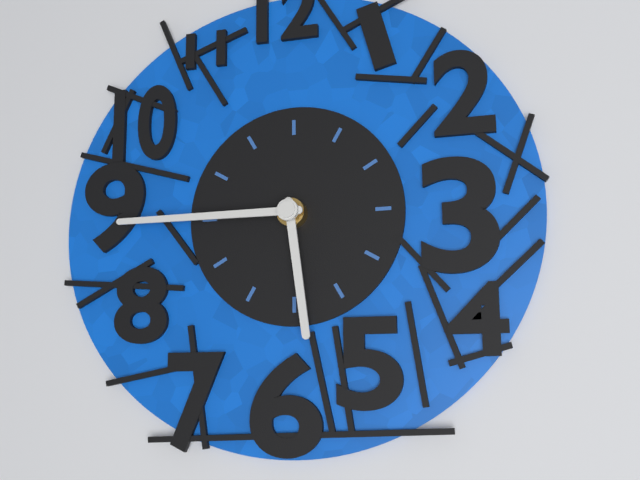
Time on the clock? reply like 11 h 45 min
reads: 5 h 45 min
